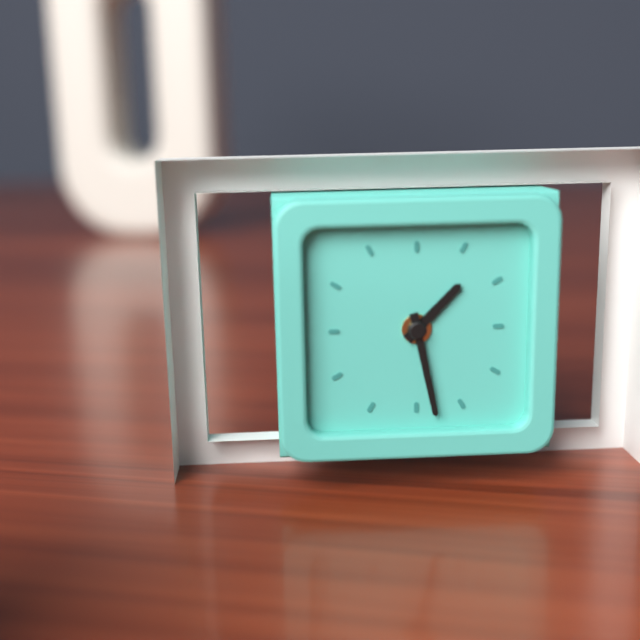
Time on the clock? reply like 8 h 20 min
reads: 1 h 28 min
